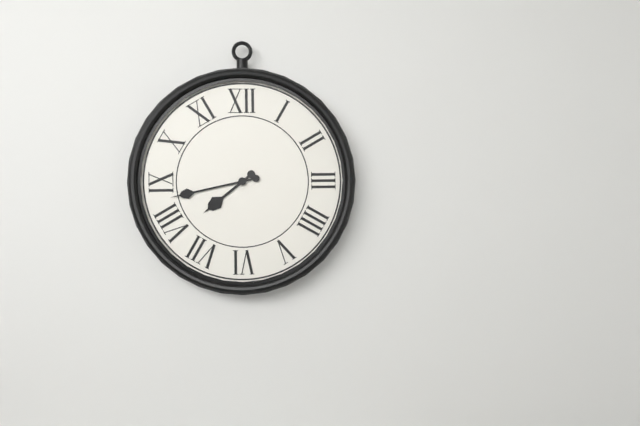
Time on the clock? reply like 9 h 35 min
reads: 7 h 43 min
